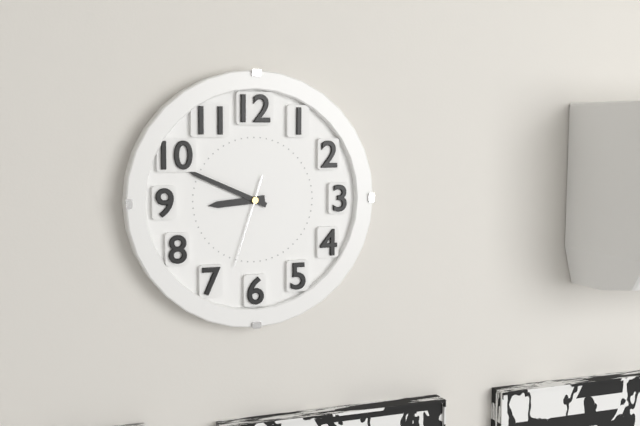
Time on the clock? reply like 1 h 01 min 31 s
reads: 8 h 49 min 33 s
